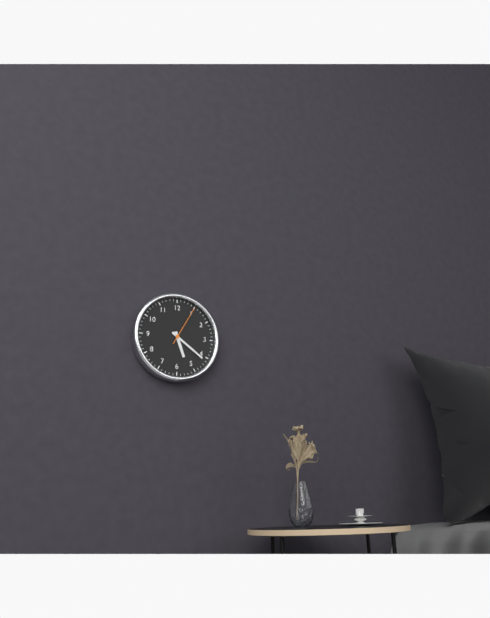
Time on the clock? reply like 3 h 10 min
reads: 5 h 21 min
